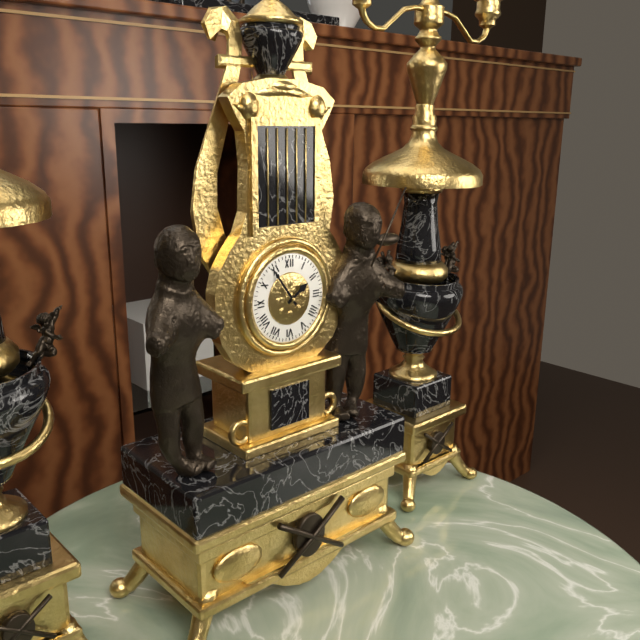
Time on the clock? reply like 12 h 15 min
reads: 1 h 54 min
